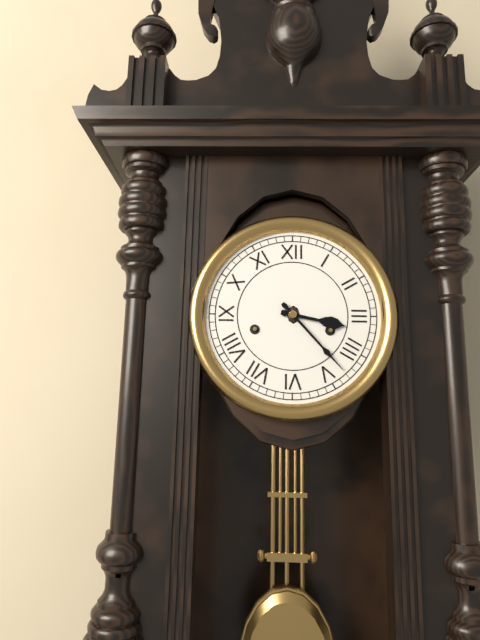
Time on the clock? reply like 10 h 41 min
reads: 3 h 23 min
